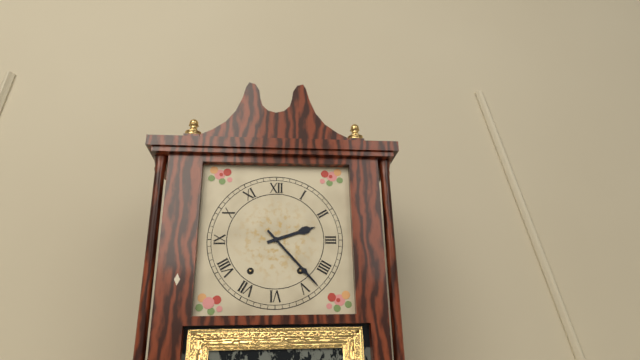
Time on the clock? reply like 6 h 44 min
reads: 2 h 23 min
